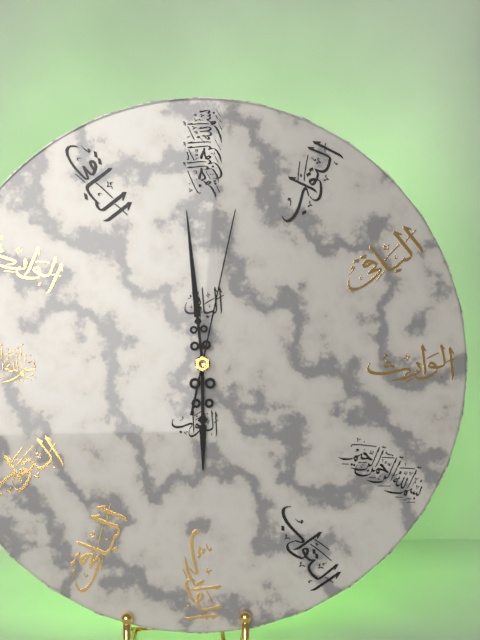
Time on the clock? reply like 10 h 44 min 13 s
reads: 5 h 59 min 02 s
